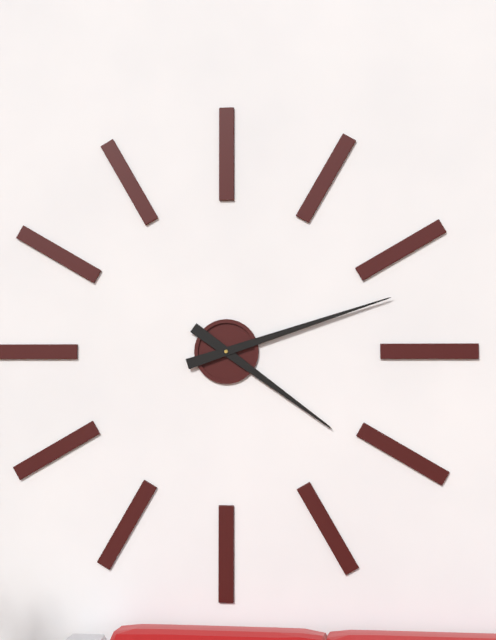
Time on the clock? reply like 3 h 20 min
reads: 4 h 12 min
